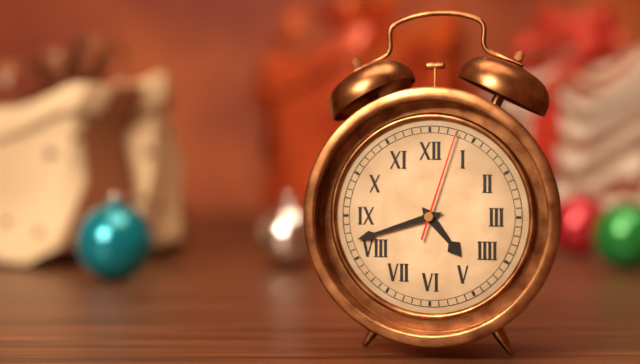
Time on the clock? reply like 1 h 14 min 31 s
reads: 4 h 42 min 03 s
